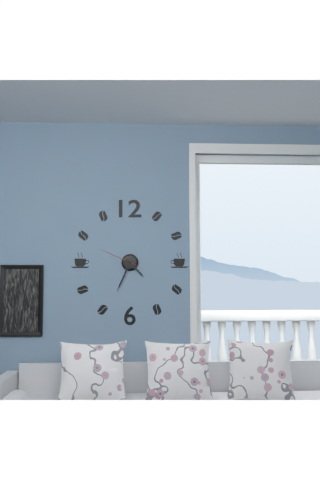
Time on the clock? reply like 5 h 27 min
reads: 4 h 34 min
